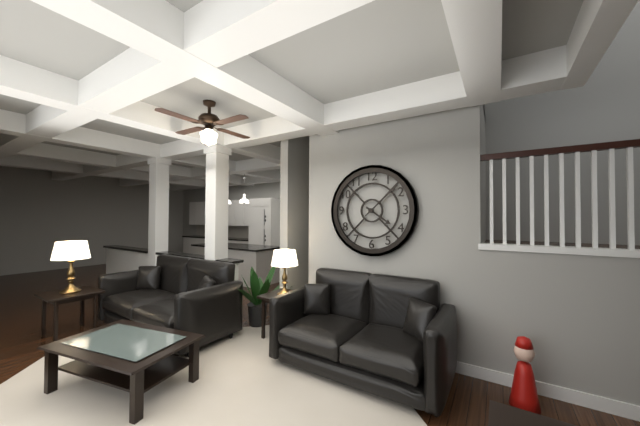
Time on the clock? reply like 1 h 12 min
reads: 4 h 08 min
